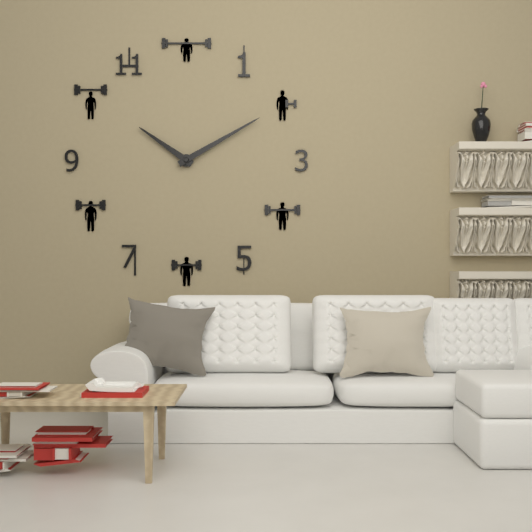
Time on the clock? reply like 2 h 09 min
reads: 10 h 10 min
